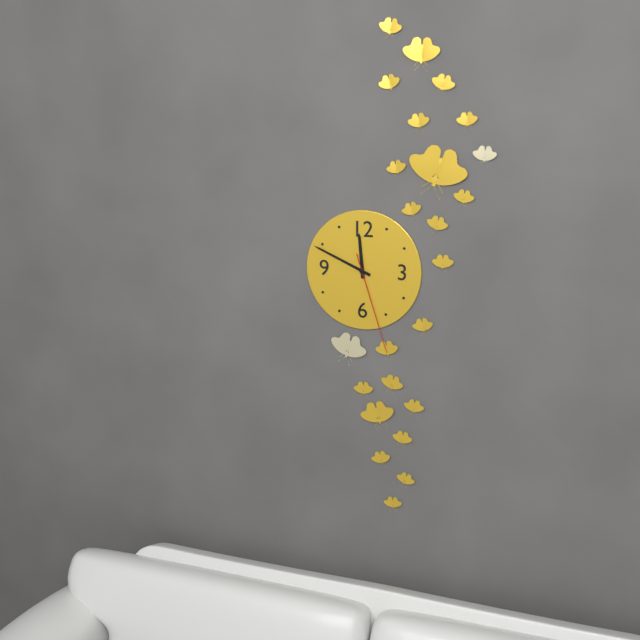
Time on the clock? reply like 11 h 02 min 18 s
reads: 11 h 49 min 27 s
